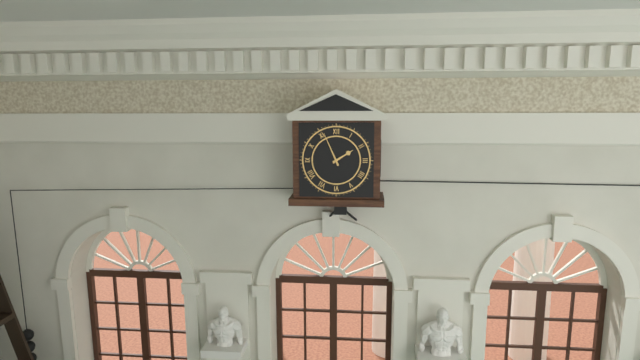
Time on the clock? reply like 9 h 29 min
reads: 1 h 56 min
